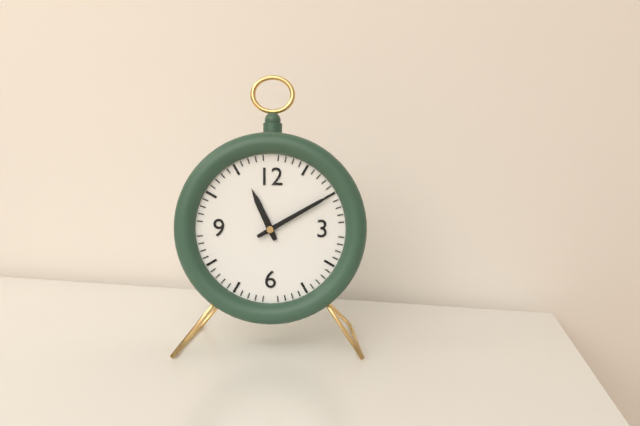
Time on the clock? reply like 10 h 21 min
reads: 11 h 10 min
